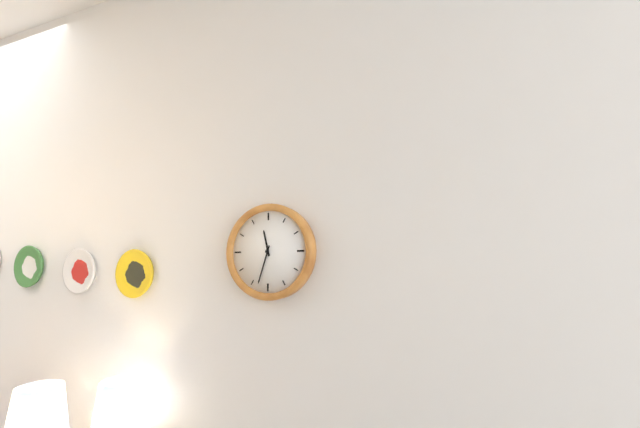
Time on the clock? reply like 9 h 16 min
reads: 11 h 33 min
